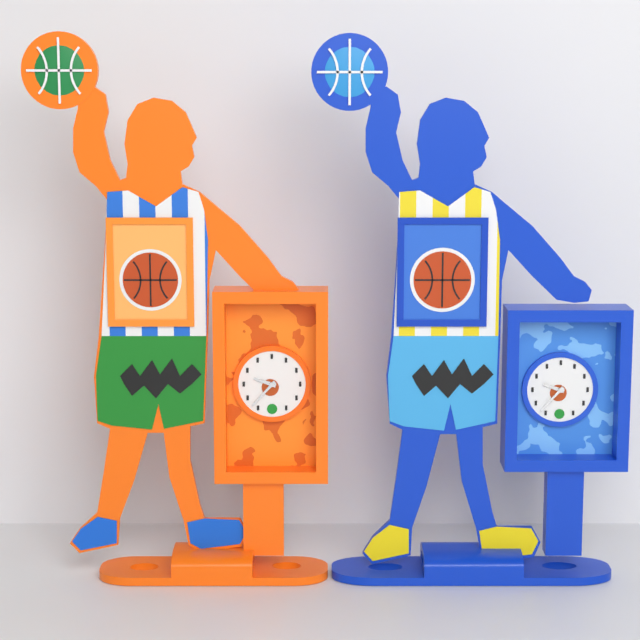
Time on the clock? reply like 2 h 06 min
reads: 9 h 37 min
